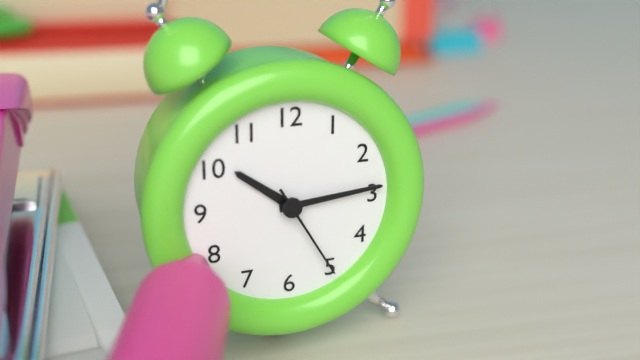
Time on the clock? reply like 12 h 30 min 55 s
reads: 10 h 14 min 25 s
